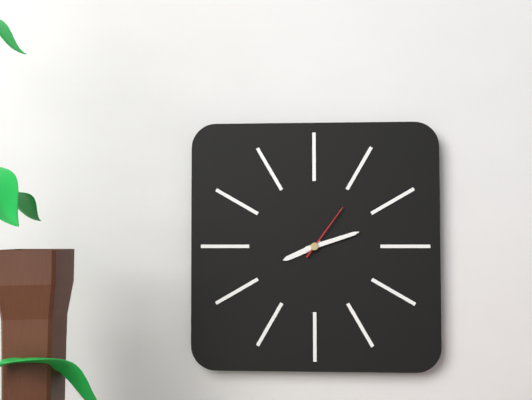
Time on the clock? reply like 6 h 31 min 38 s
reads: 8 h 12 min 06 s
